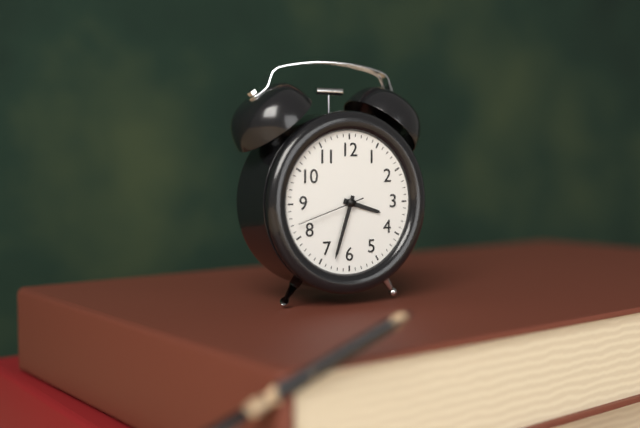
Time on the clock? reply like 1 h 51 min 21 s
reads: 3 h 33 min 42 s
